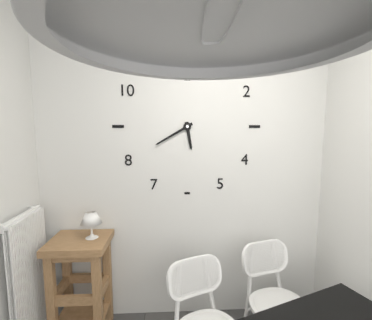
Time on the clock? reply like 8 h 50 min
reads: 5 h 40 min
